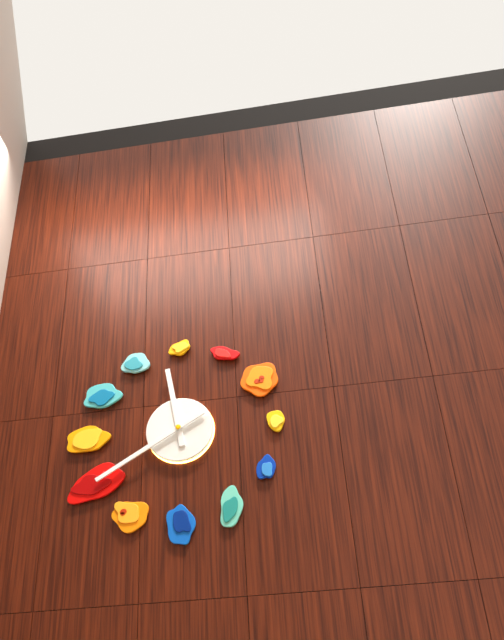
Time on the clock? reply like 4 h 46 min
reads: 11 h 40 min
